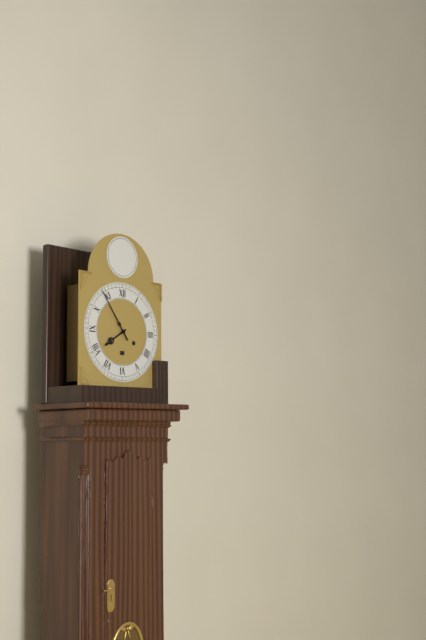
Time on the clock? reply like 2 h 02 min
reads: 7 h 54 min
